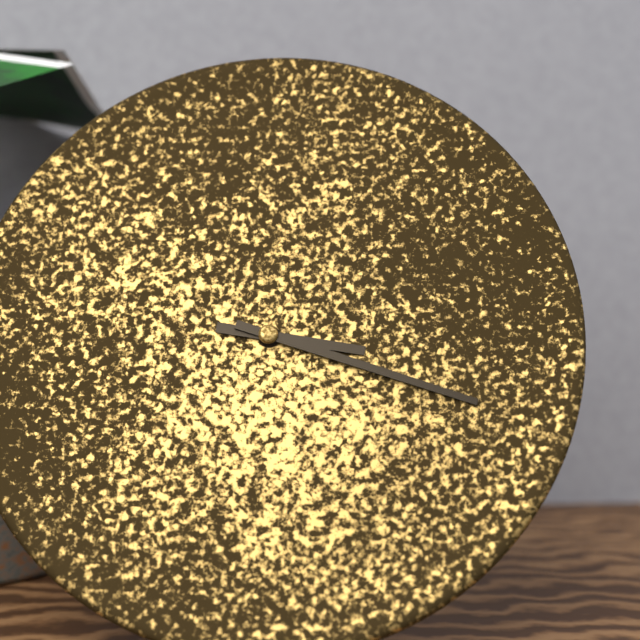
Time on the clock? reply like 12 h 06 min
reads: 3 h 18 min
